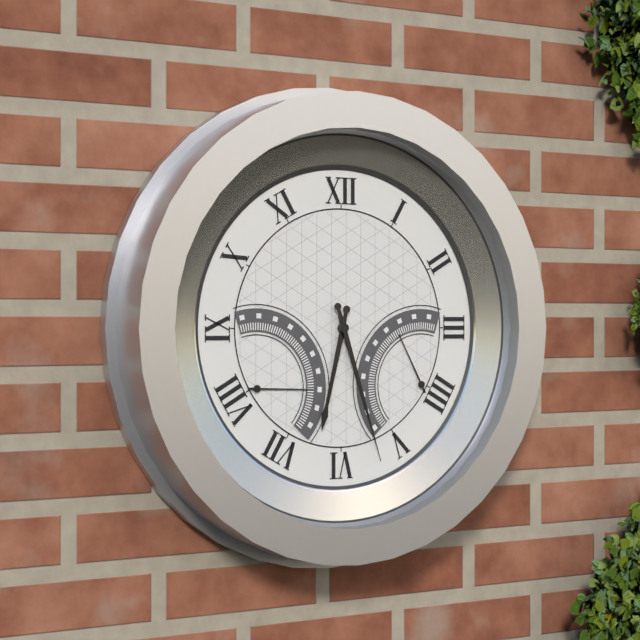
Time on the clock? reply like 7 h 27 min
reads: 6 h 27 min
